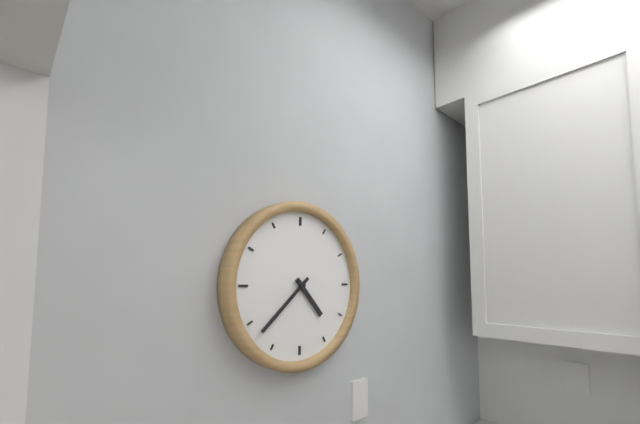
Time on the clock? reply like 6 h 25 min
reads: 4 h 38 min
